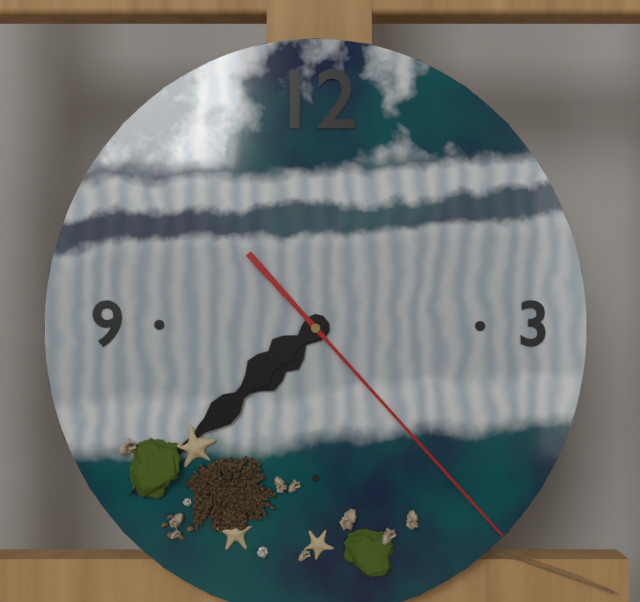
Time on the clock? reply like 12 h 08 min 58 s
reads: 7 h 38 min 23 s
